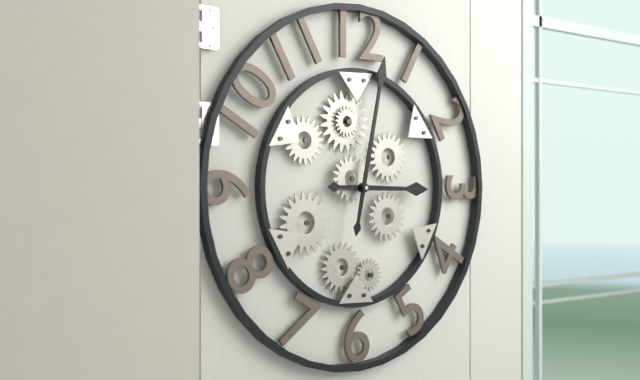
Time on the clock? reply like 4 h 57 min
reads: 3 h 02 min
